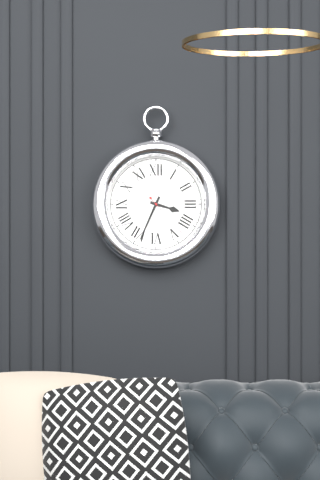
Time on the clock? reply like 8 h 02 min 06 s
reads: 3 h 34 min 23 s
